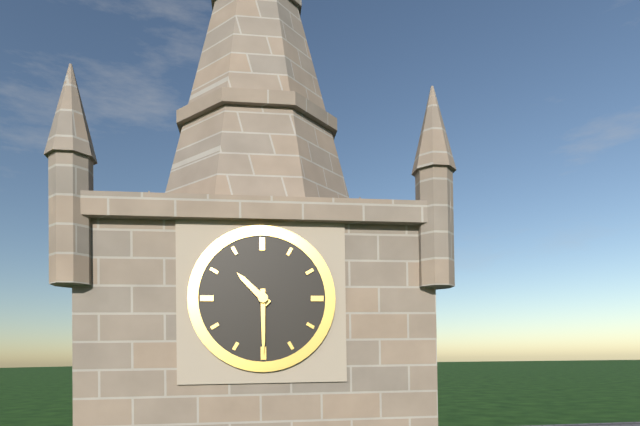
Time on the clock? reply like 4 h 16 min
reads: 10 h 30 min
